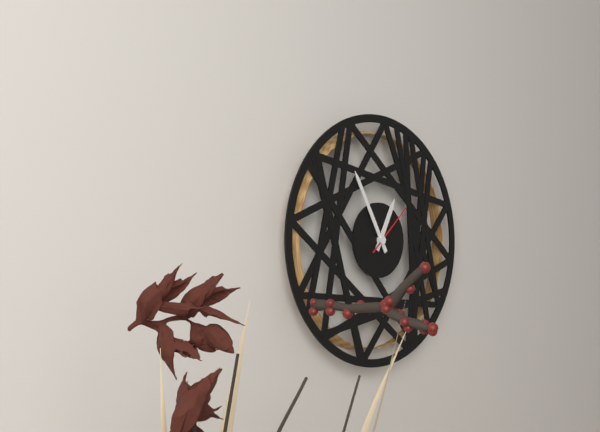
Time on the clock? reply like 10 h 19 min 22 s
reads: 12 h 55 min 08 s
